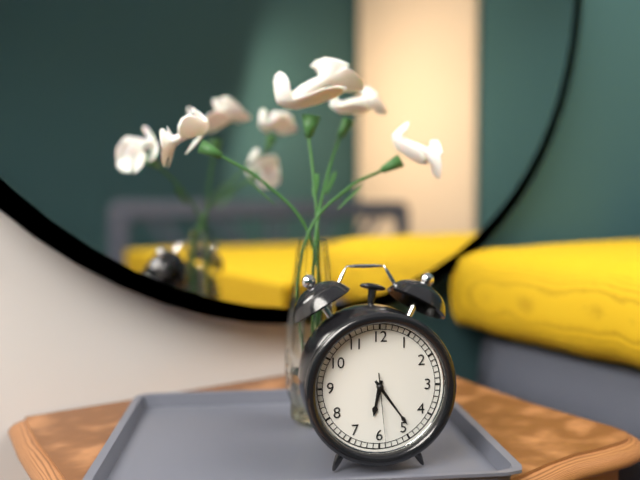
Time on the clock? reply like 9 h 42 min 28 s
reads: 6 h 24 min 29 s
